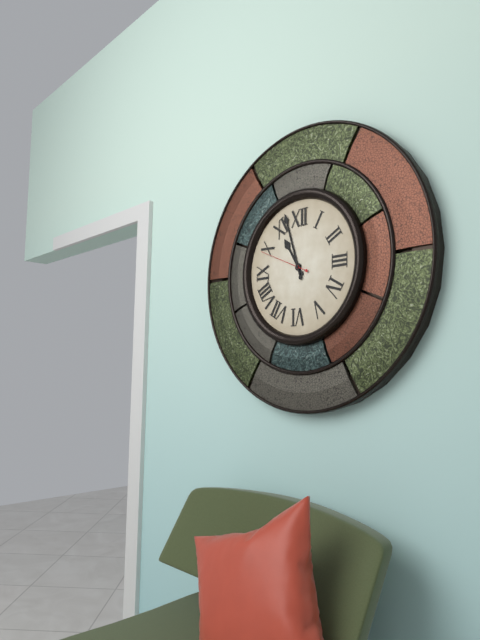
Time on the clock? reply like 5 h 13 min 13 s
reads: 10 h 57 min 49 s
